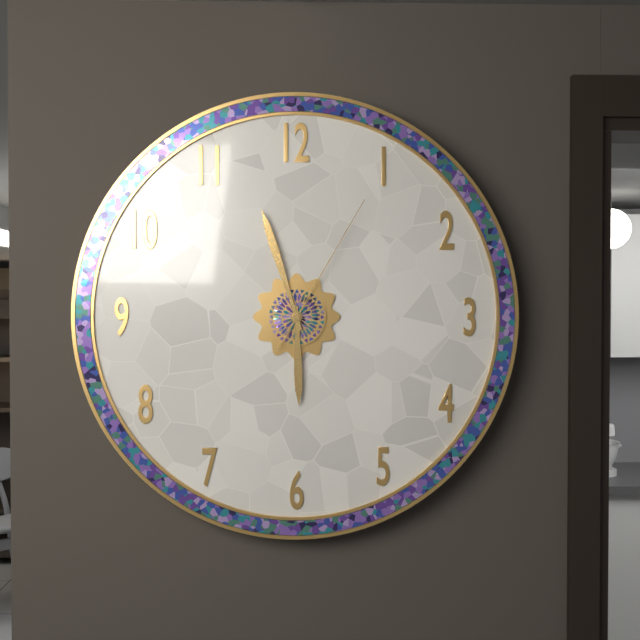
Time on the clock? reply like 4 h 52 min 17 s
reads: 5 h 57 min 05 s
